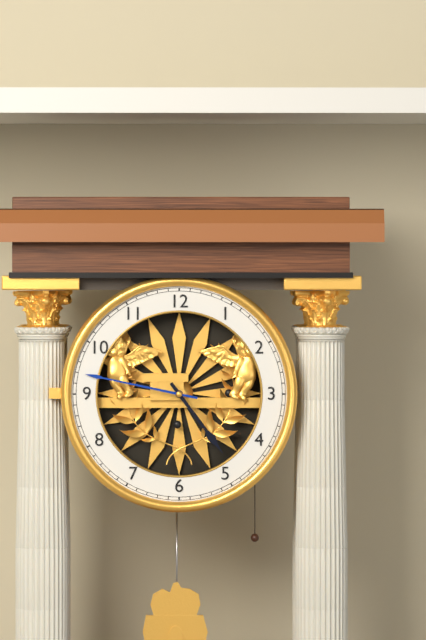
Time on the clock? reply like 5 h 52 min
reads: 4 h 47 min
